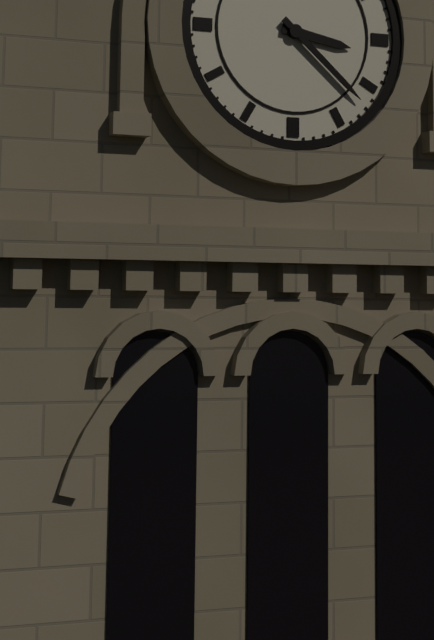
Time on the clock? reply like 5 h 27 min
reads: 3 h 22 min
